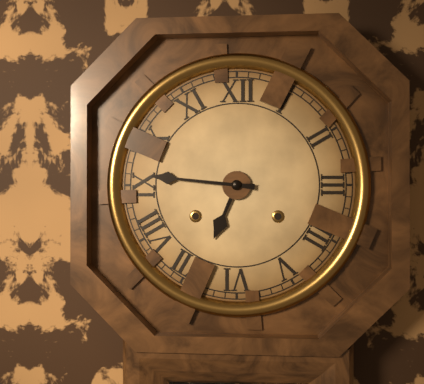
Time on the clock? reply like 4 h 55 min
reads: 6 h 46 min
